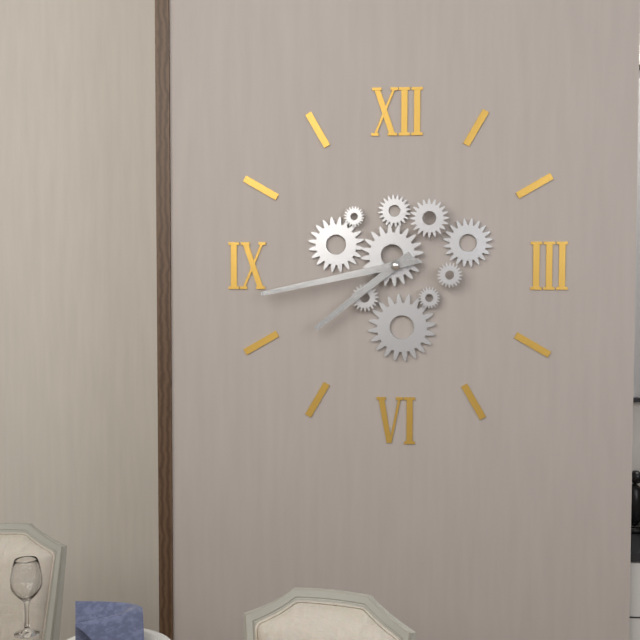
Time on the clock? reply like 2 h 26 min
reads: 7 h 43 min
